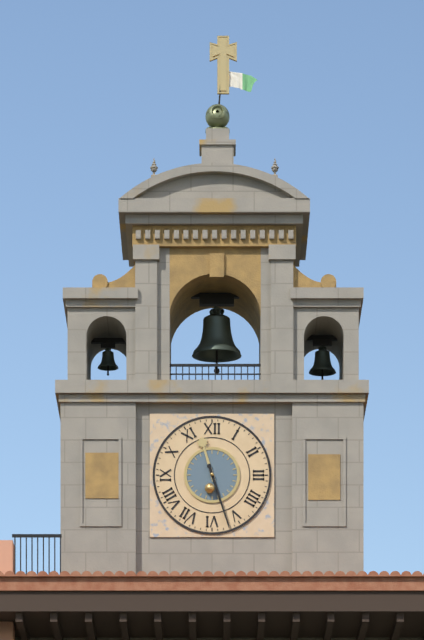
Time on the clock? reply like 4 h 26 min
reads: 11 h 27 min
